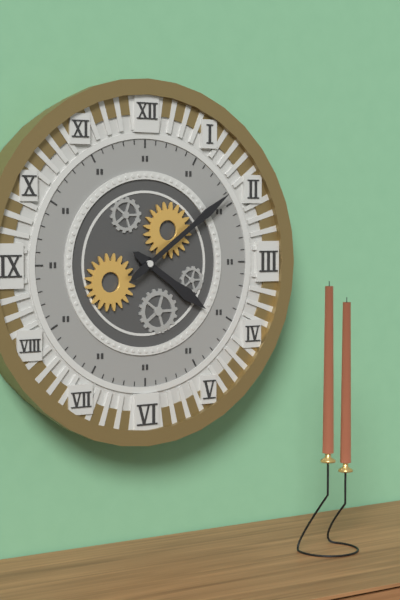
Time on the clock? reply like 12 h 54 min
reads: 4 h 09 min
